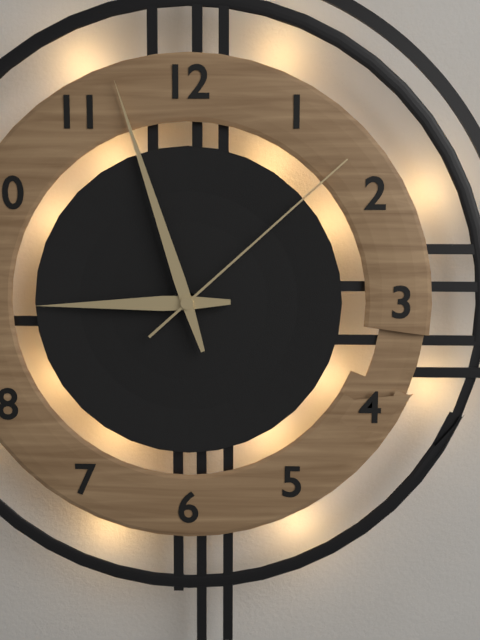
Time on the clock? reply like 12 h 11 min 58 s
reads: 8 h 57 min 08 s
